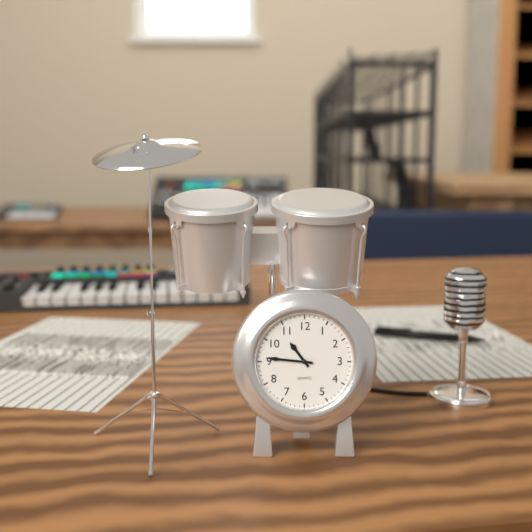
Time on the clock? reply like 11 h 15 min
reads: 10 h 46 min
